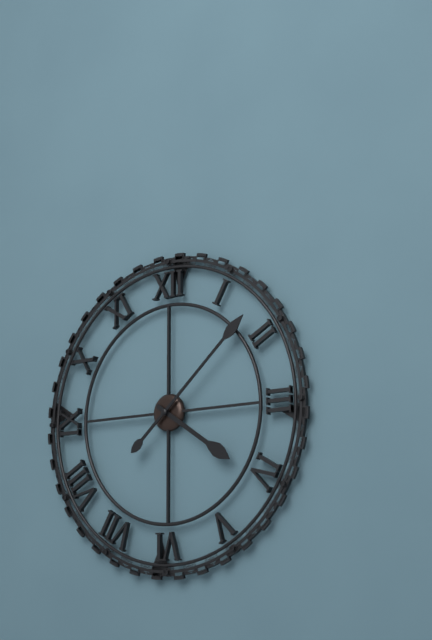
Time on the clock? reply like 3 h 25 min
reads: 4 h 08 min
